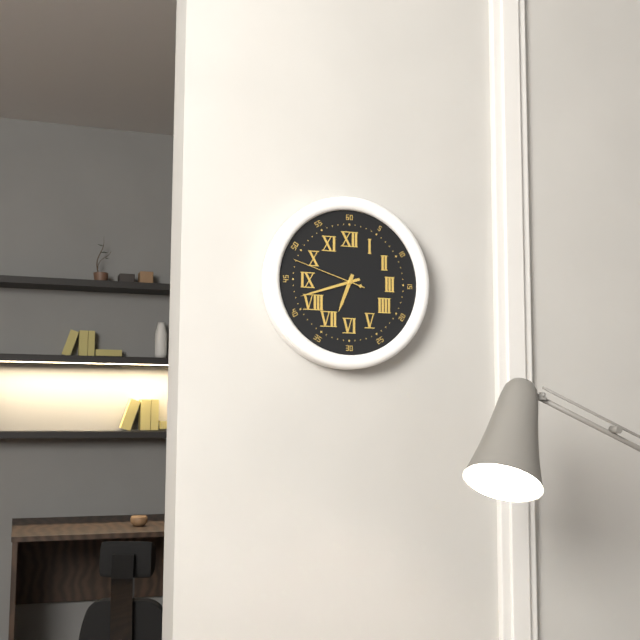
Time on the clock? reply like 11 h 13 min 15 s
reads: 6 h 42 min 48 s
